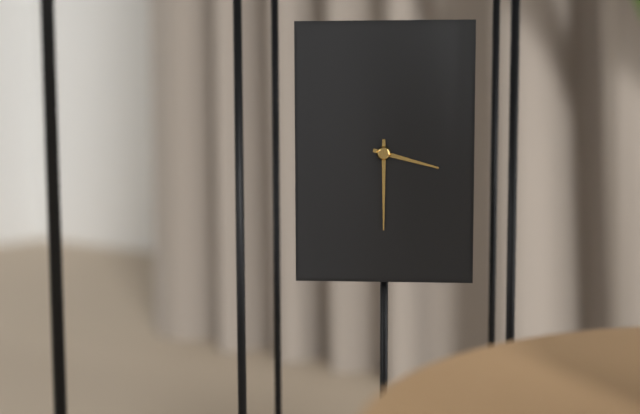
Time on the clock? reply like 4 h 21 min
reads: 3 h 30 min
